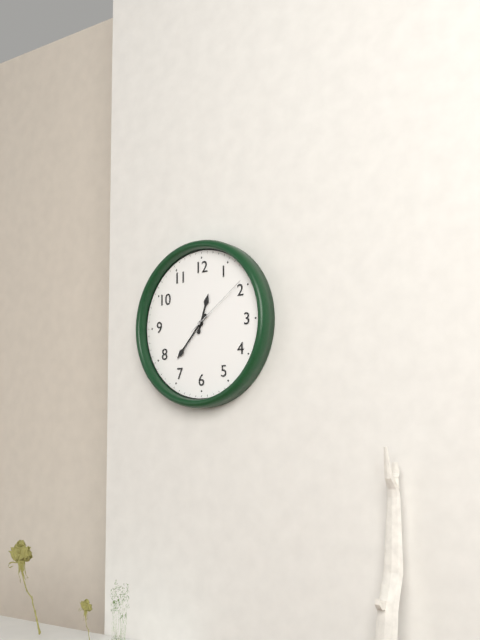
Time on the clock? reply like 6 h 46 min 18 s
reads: 12 h 37 min 09 s
